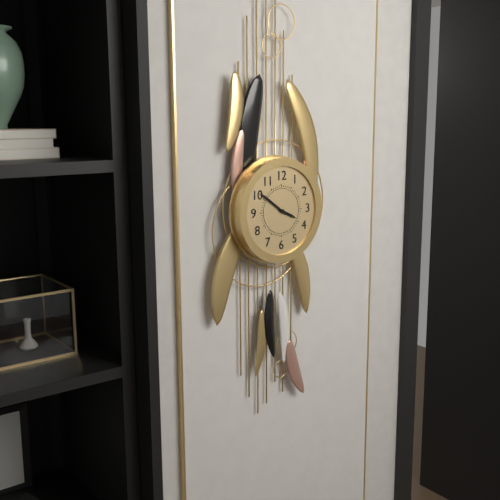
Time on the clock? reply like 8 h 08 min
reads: 3 h 51 min
